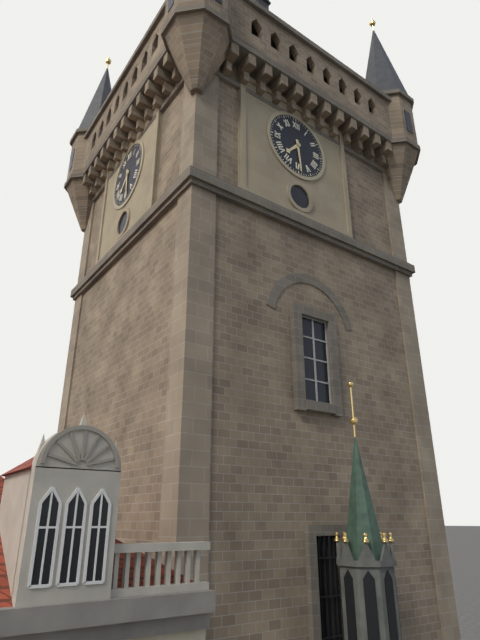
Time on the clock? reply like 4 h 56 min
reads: 7 h 29 min
